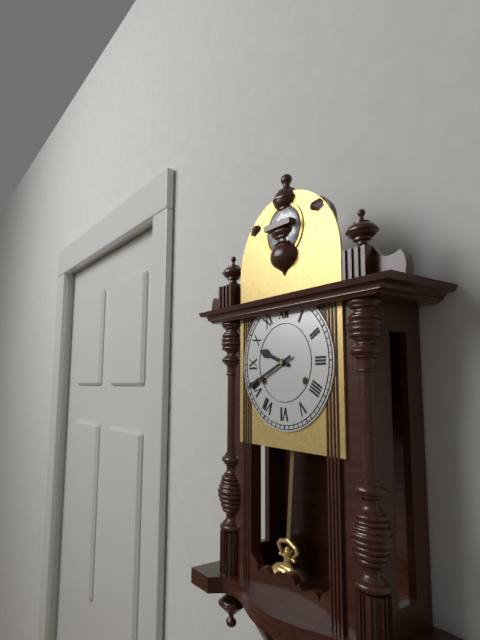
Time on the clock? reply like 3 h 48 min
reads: 9 h 41 min
